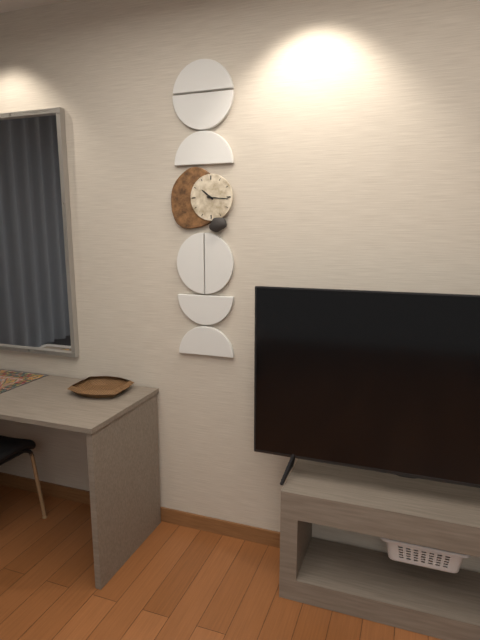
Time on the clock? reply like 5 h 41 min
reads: 10 h 16 min
